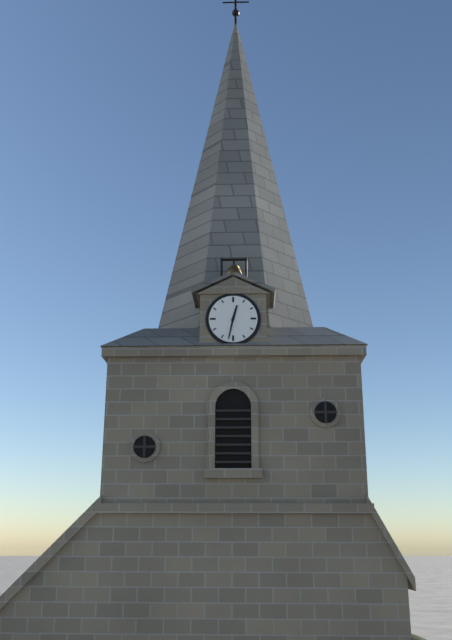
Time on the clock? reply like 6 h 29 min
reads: 12 h 32 min
